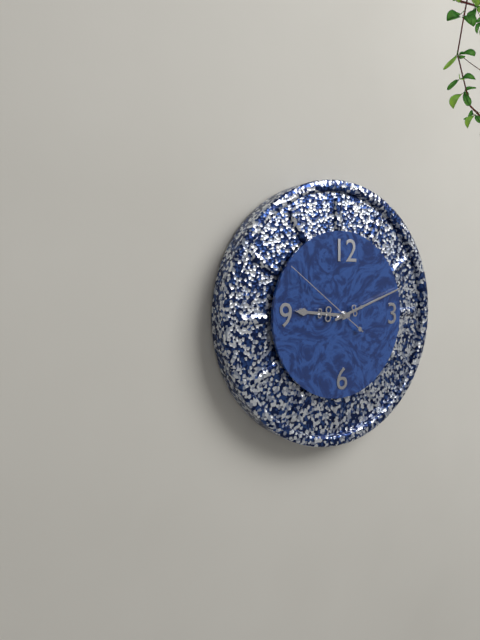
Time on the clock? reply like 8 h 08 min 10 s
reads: 9 h 12 min 51 s
